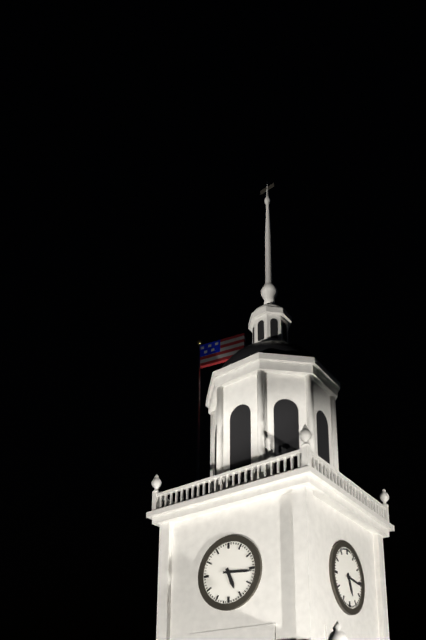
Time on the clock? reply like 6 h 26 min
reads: 5 h 16 min
